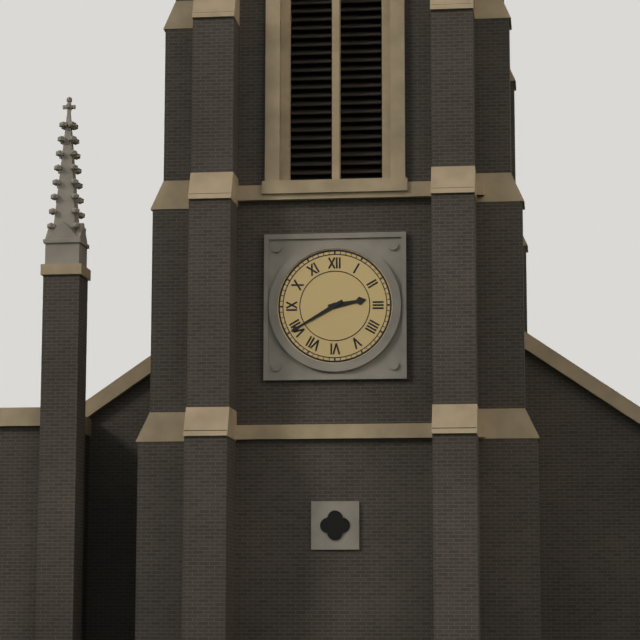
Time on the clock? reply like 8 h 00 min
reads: 2 h 40 min
